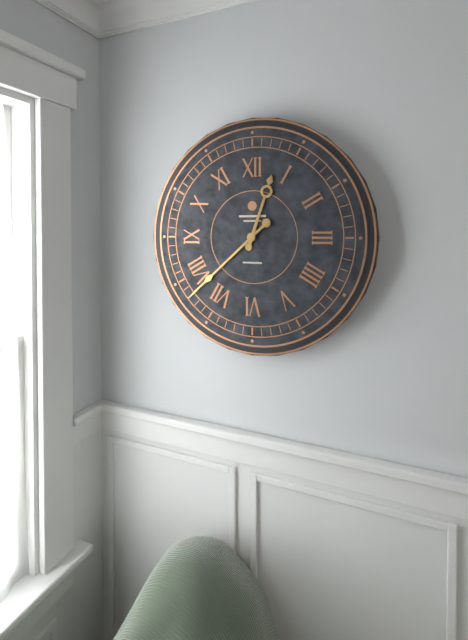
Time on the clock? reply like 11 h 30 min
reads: 12 h 38 min
